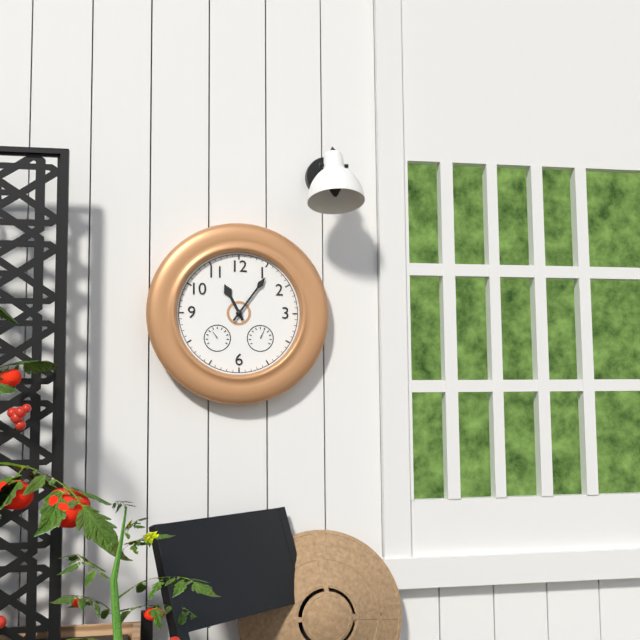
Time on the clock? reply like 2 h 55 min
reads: 11 h 06 min
